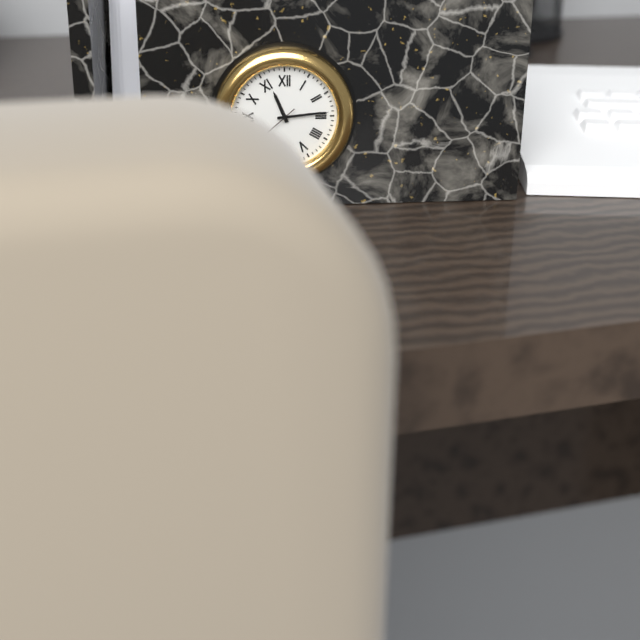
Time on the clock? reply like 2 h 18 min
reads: 11 h 14 min
